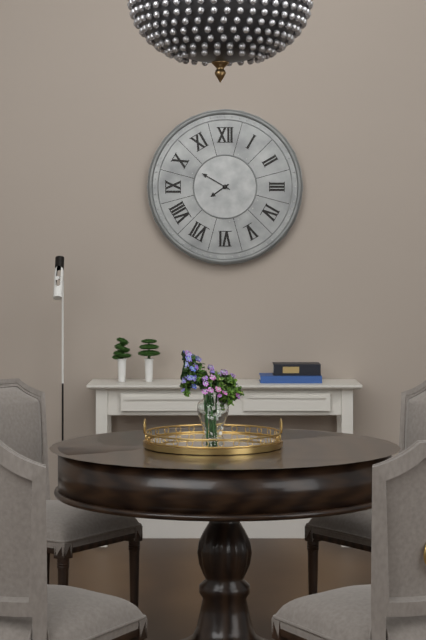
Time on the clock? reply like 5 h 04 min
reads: 7 h 50 min
